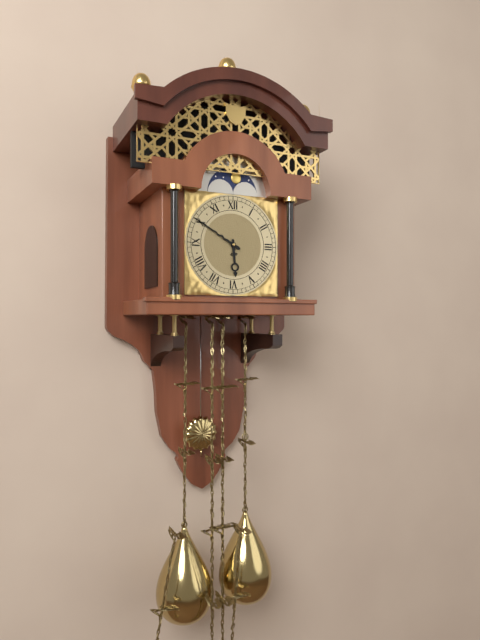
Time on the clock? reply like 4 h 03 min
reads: 5 h 50 min
